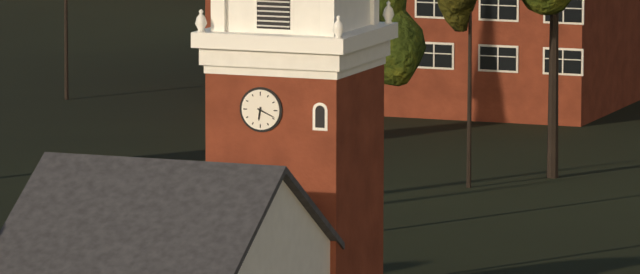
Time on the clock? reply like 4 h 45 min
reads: 6 h 19 min
